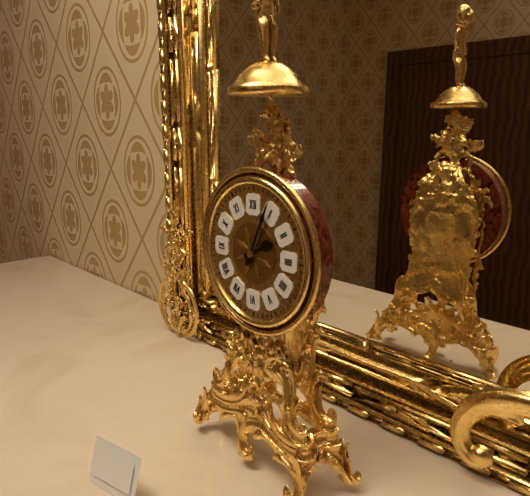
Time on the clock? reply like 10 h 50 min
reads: 2 h 04 min
